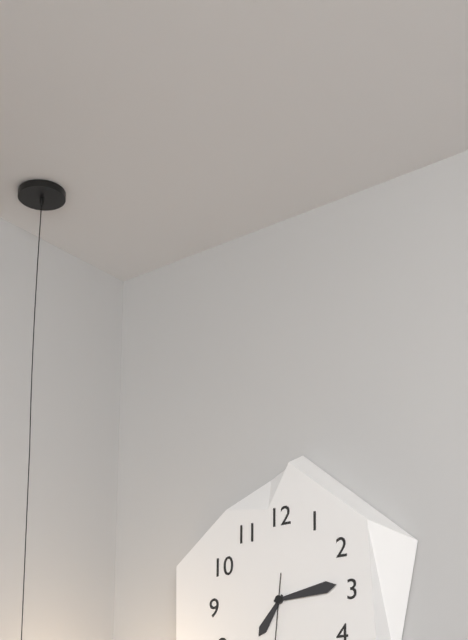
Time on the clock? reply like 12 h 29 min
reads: 7 h 14 min
